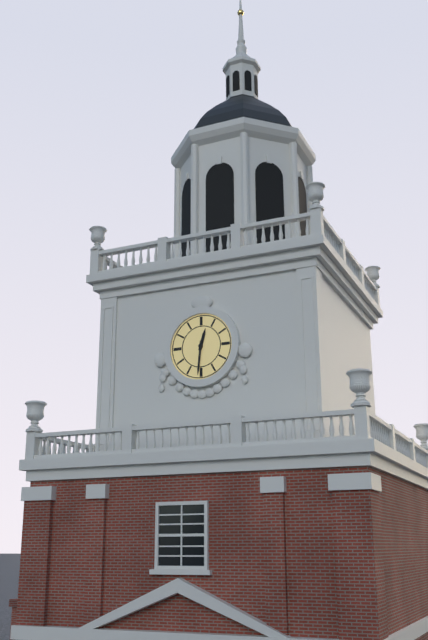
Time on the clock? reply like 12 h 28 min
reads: 12 h 31 min
